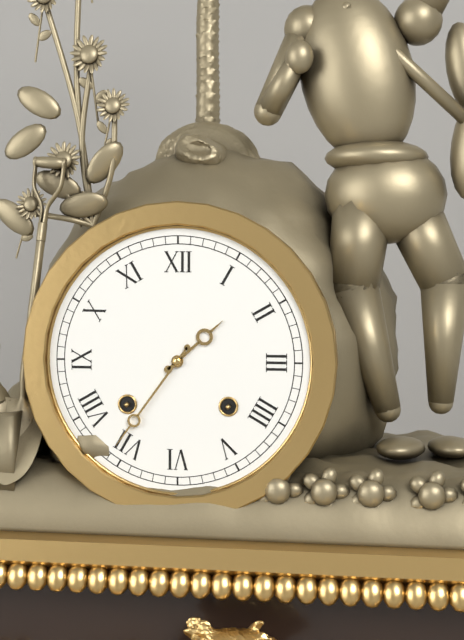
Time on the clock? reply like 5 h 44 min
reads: 1 h 36 min
